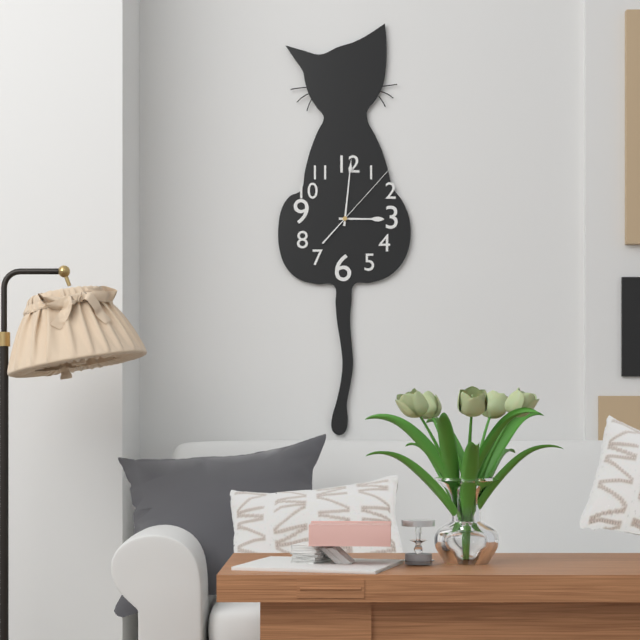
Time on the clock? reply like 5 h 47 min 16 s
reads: 3 h 01 min 07 s
